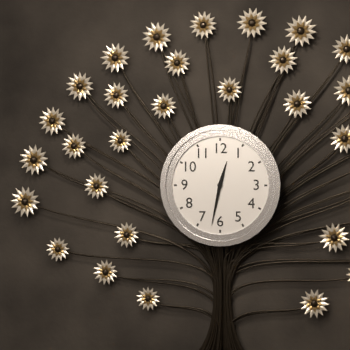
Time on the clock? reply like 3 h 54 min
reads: 12 h 32 min
